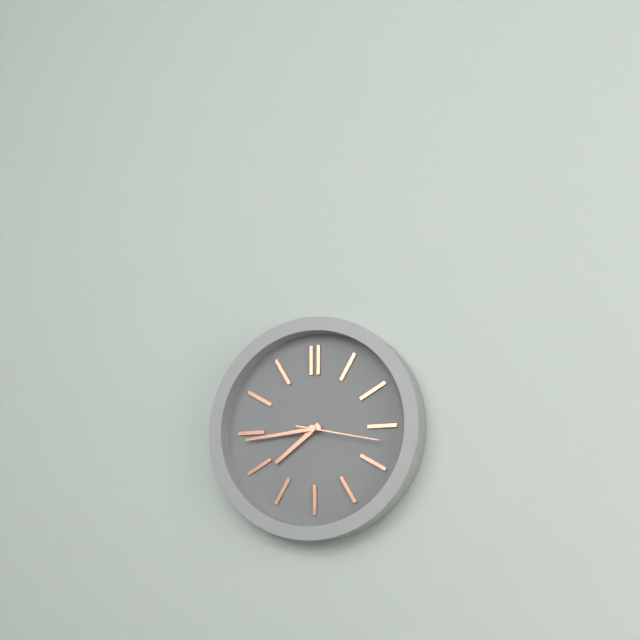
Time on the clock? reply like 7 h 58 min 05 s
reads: 7 h 44 min 17 s
